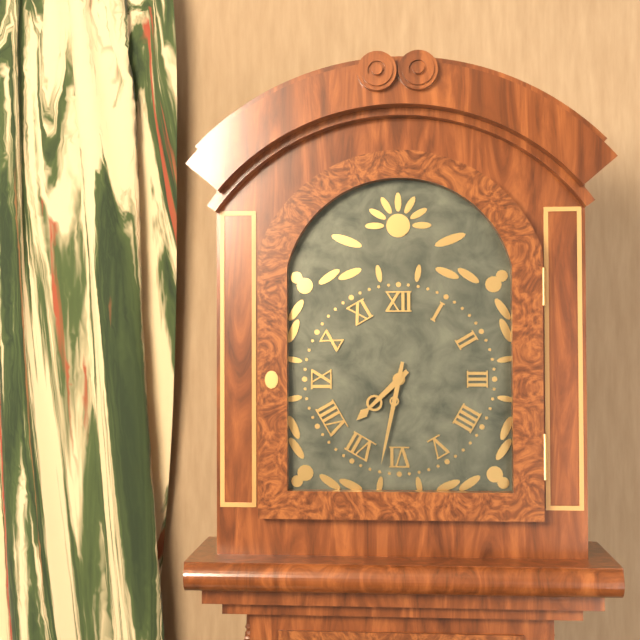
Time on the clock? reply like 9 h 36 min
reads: 7 h 32 min
